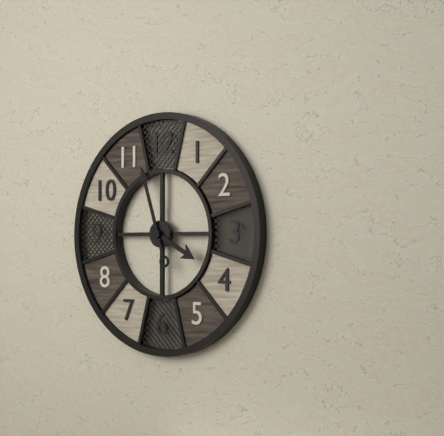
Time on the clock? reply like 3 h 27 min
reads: 3 h 57 min
